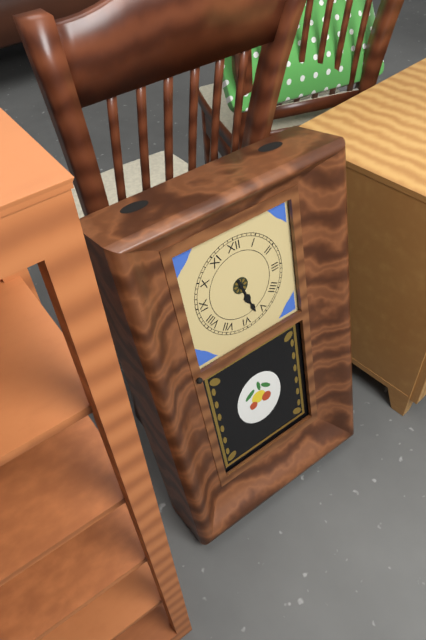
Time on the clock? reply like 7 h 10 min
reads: 5 h 27 min
